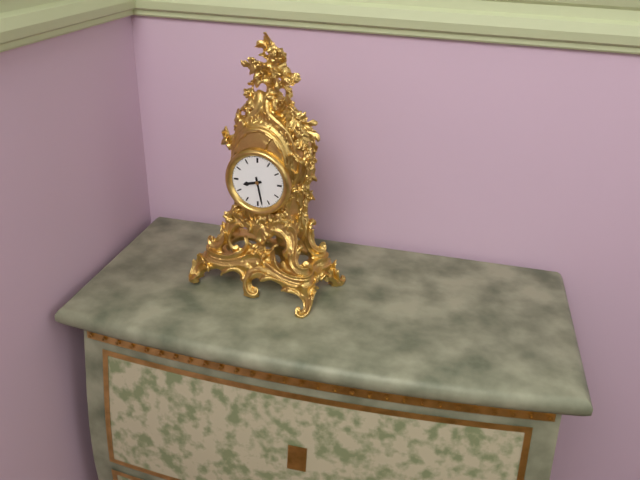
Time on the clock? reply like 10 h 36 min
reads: 8 h 28 min
